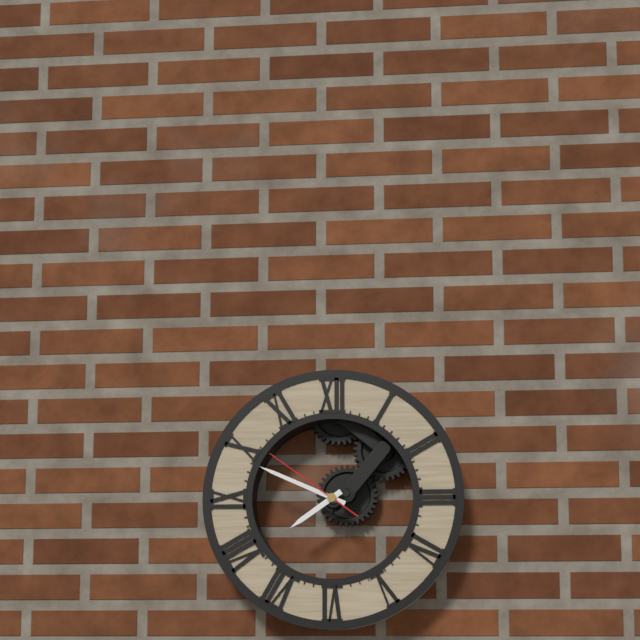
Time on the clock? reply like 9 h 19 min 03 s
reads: 7 h 49 min 51 s
